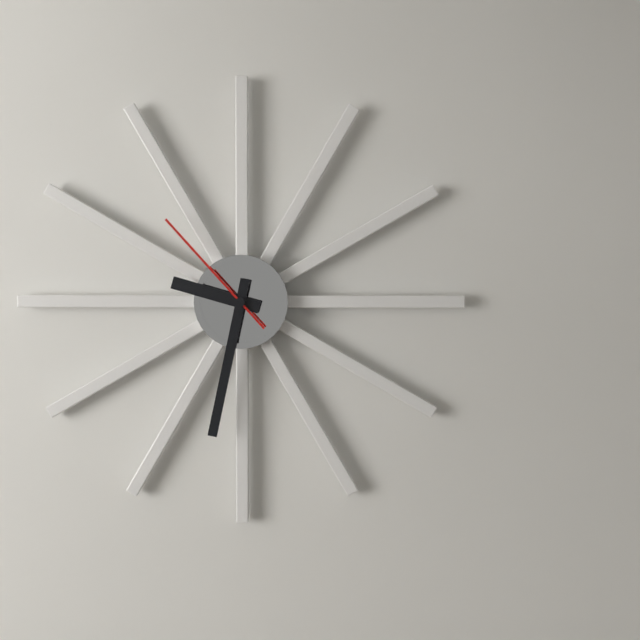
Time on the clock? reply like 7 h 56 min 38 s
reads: 9 h 32 min 53 s
